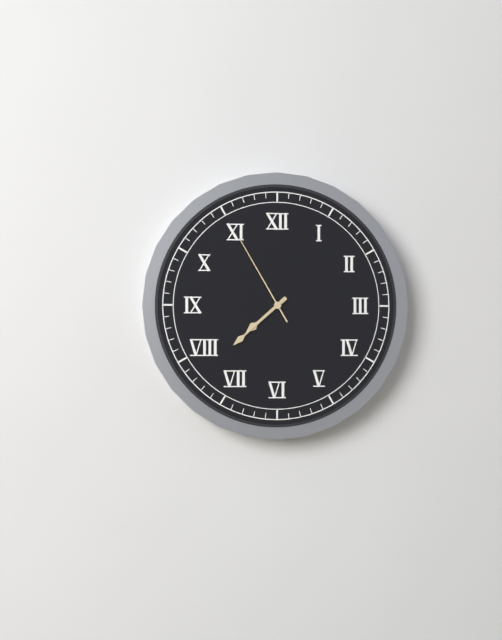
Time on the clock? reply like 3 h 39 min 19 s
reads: 7 h 38 min 55 s
